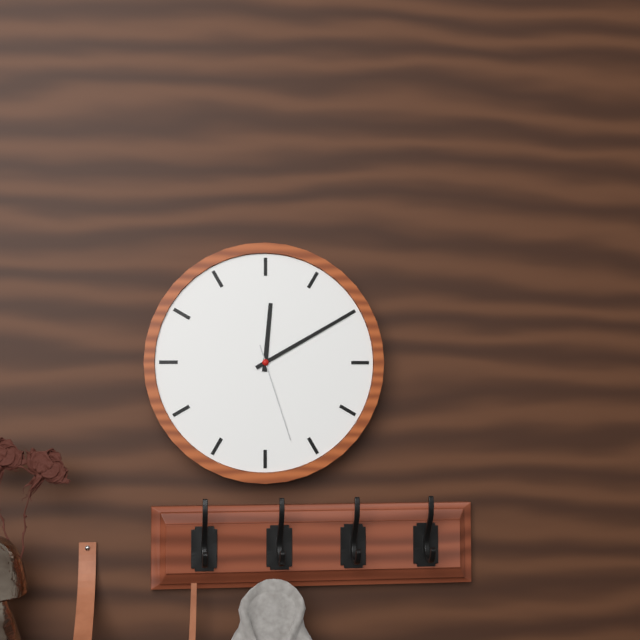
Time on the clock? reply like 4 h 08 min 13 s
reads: 12 h 10 min 27 s
